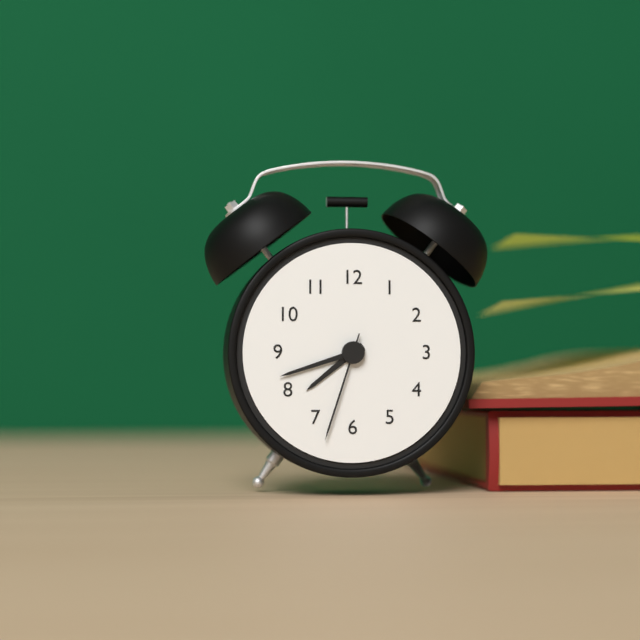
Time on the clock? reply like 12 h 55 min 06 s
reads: 7 h 42 min 33 s
